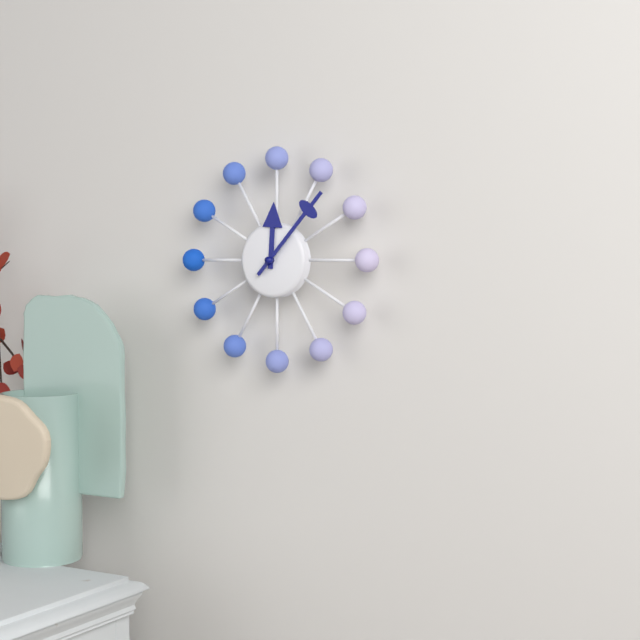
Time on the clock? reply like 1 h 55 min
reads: 12 h 07 min
